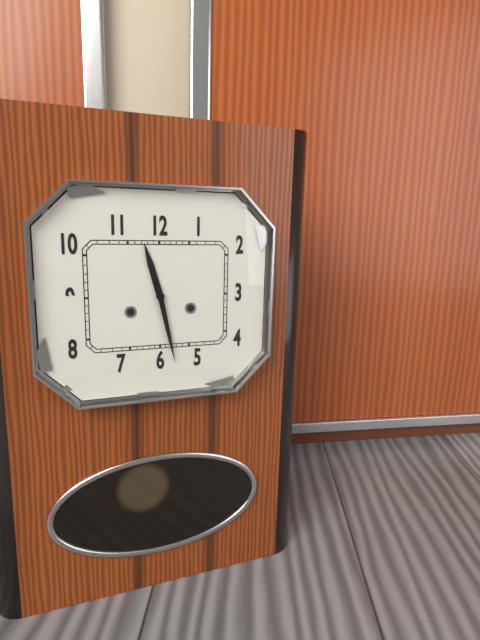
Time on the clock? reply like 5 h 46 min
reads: 11 h 28 min
